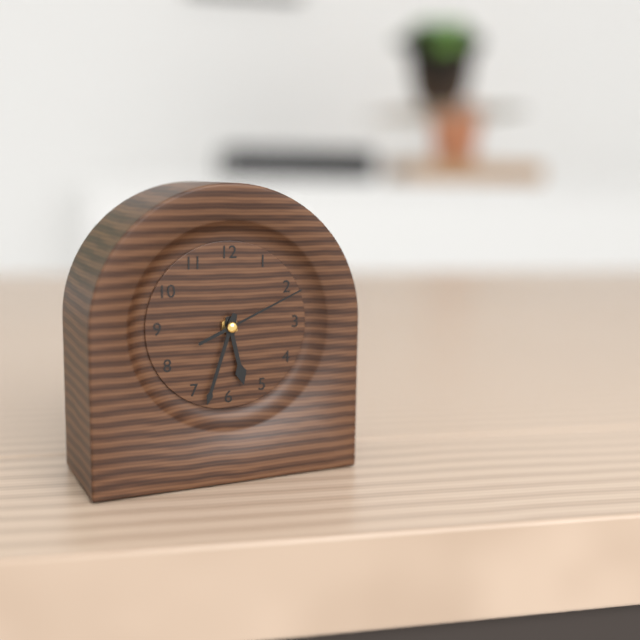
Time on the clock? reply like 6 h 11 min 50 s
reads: 5 h 33 min 11 s
